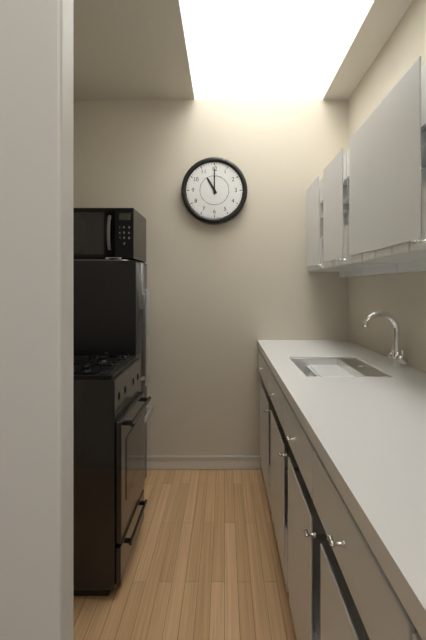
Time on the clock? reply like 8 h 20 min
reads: 11 h 00 min
